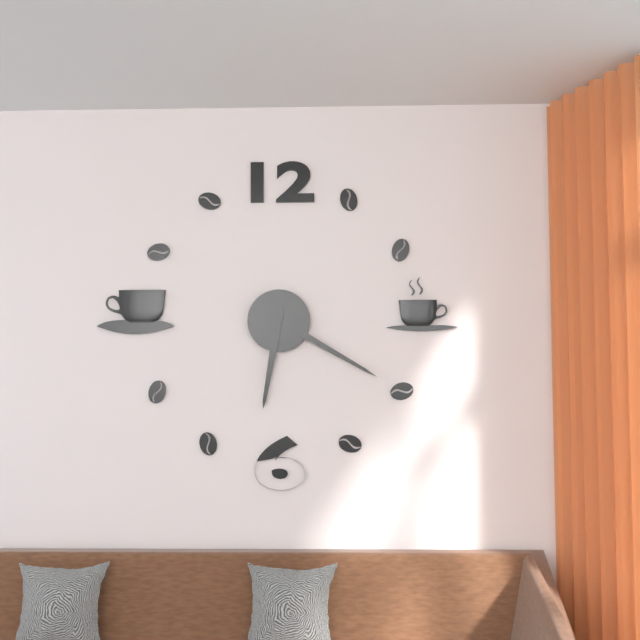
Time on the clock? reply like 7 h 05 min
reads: 6 h 20 min
